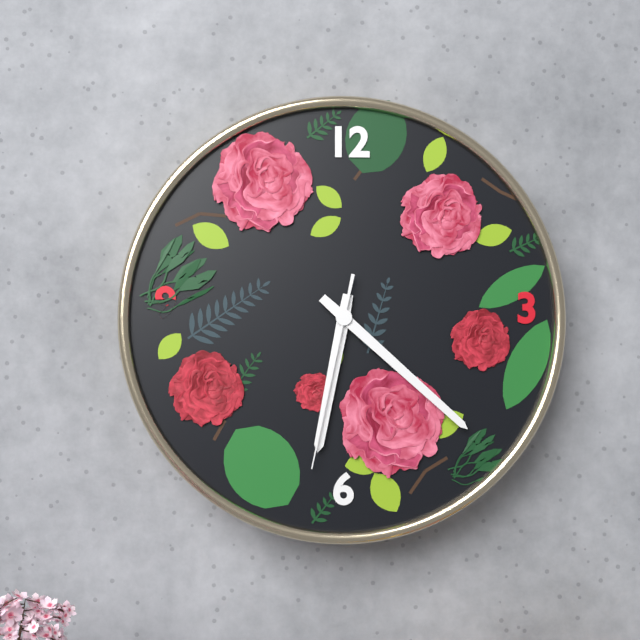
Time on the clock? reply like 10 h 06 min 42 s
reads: 6 h 22 min 32 s
